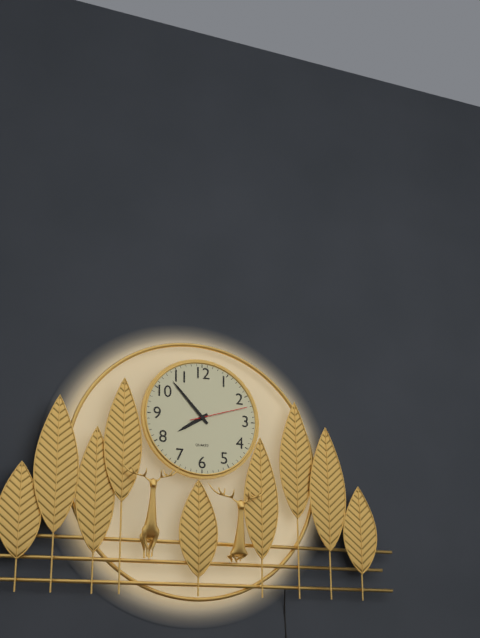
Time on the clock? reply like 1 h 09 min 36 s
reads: 7 h 53 min 12 s
